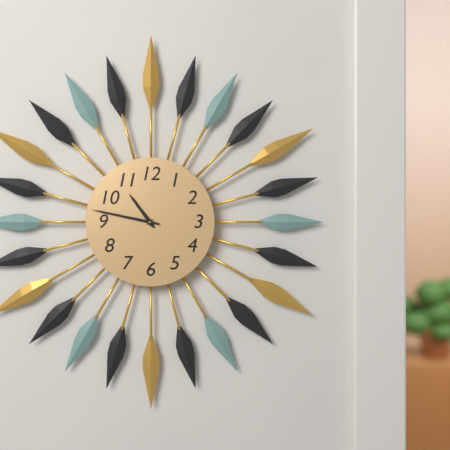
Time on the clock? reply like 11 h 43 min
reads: 10 h 47 min
